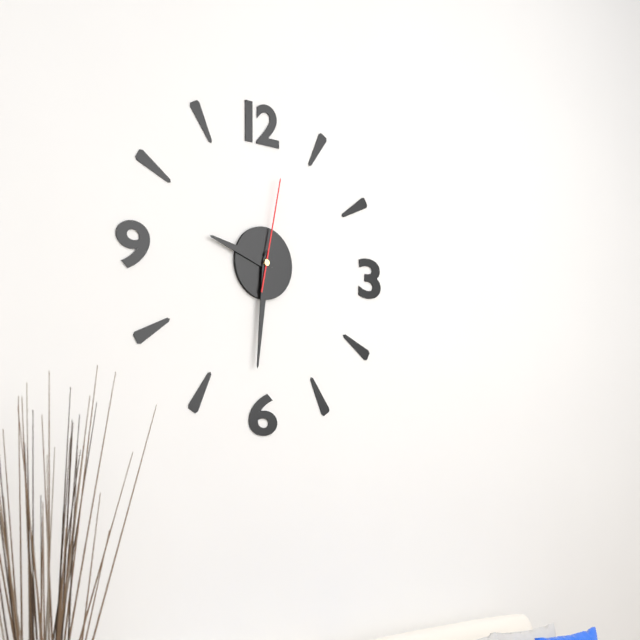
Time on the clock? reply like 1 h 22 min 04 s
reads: 9 h 31 min 02 s
